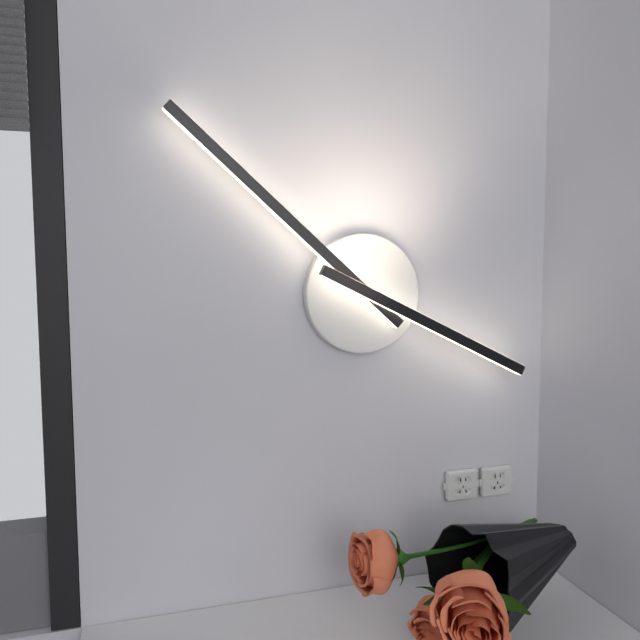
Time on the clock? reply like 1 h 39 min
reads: 3 h 52 min
